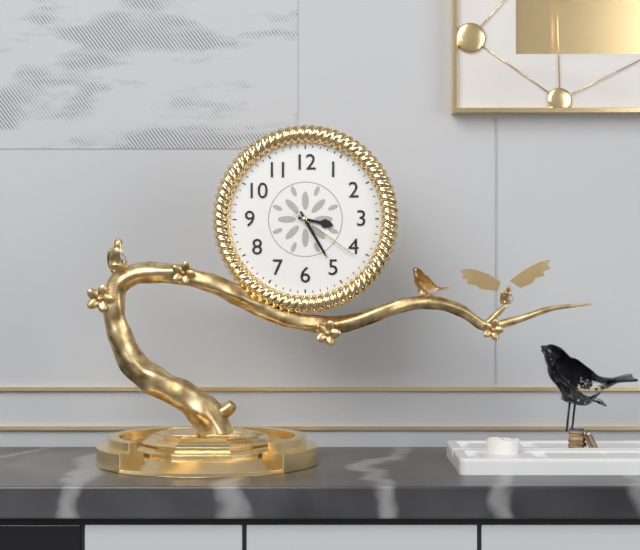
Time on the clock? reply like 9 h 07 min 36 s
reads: 3 h 25 min 21 s
